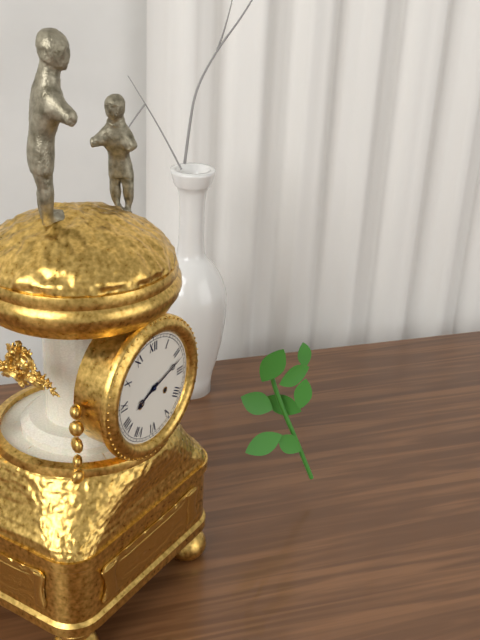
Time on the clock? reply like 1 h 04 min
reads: 8 h 12 min
